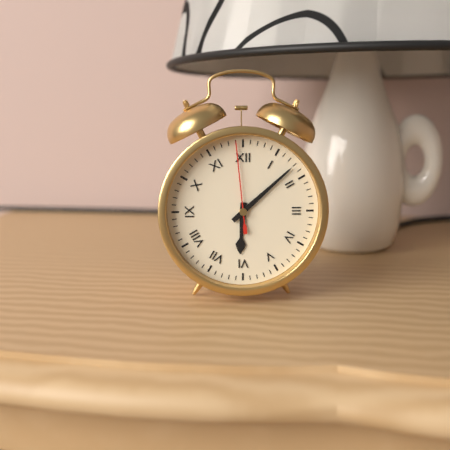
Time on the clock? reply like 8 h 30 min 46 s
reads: 6 h 08 min 59 s
